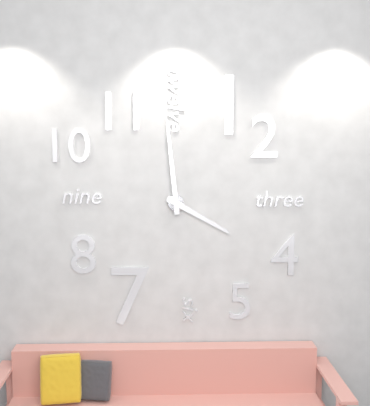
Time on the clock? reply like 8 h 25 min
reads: 3 h 59 min
